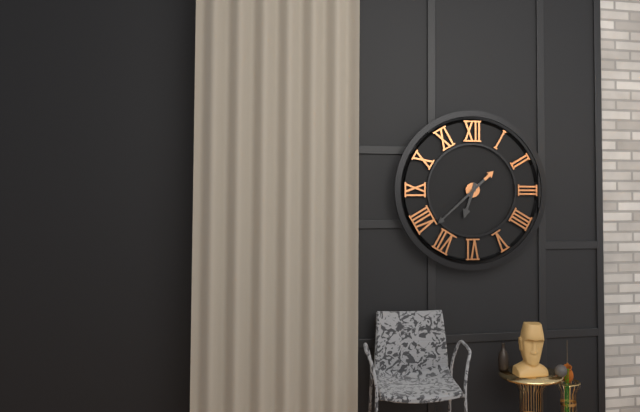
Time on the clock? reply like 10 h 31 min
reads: 6 h 38 min
